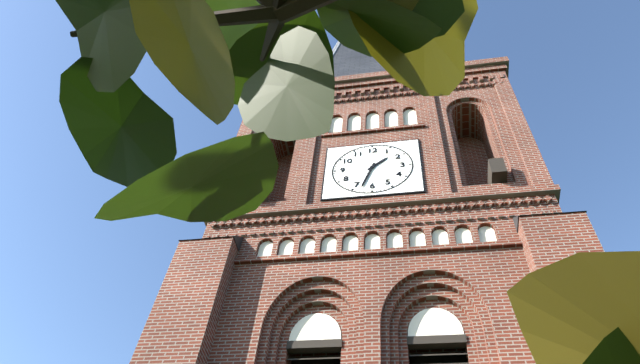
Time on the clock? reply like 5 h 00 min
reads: 1 h 33 min
